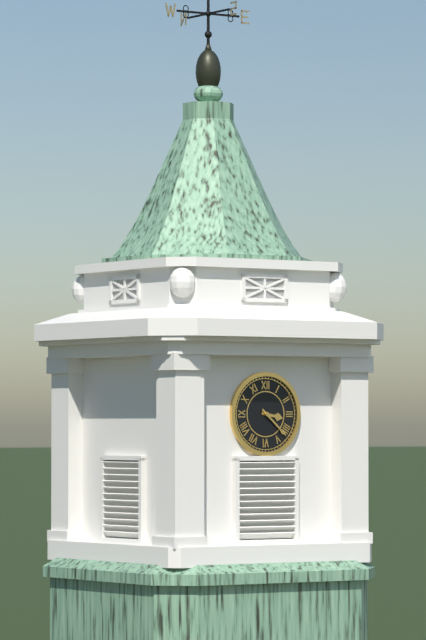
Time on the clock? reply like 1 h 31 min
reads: 3 h 22 min
